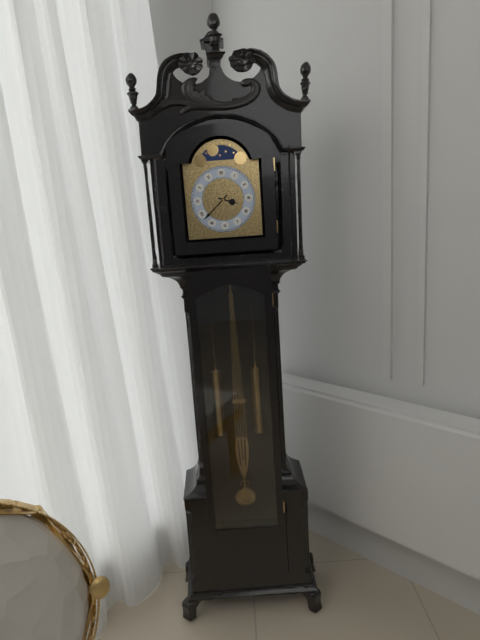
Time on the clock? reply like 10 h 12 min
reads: 3 h 38 min
